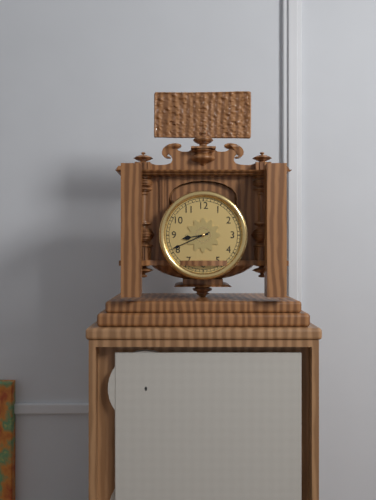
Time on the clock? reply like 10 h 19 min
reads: 8 h 41 min
